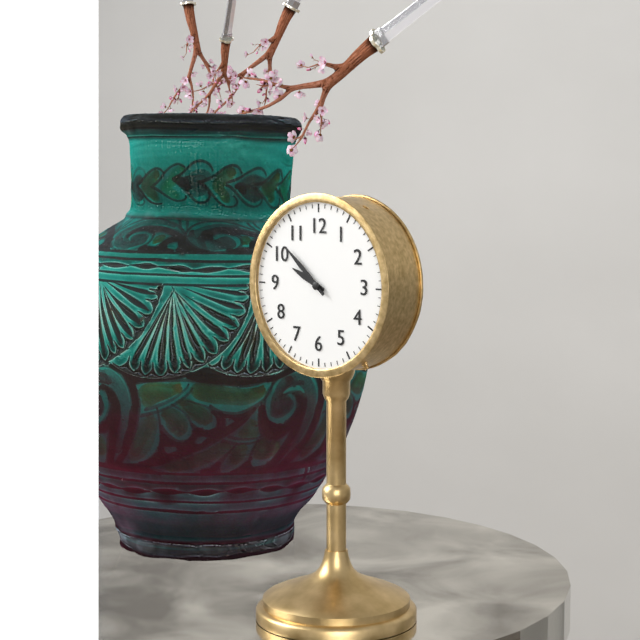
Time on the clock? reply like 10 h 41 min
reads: 9 h 52 min
